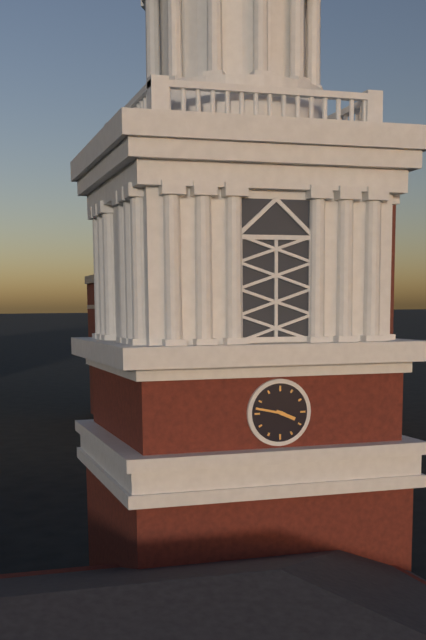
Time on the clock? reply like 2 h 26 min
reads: 3 h 47 min
